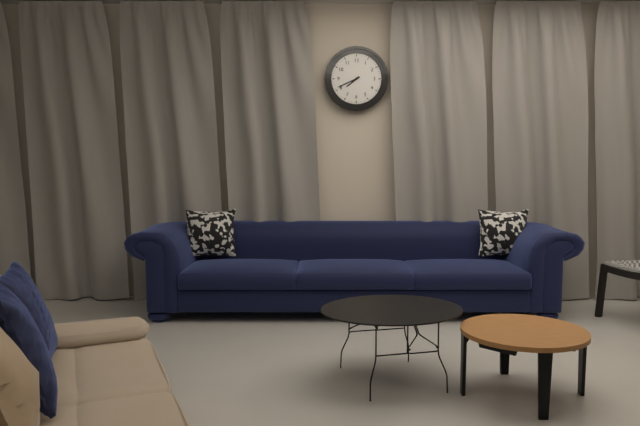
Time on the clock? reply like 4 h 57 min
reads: 7 h 41 min
